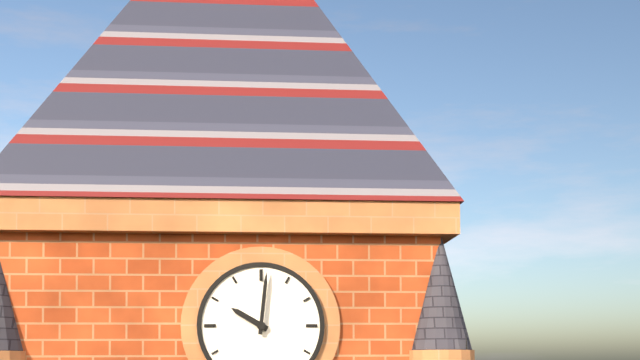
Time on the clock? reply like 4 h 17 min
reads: 10 h 01 min
